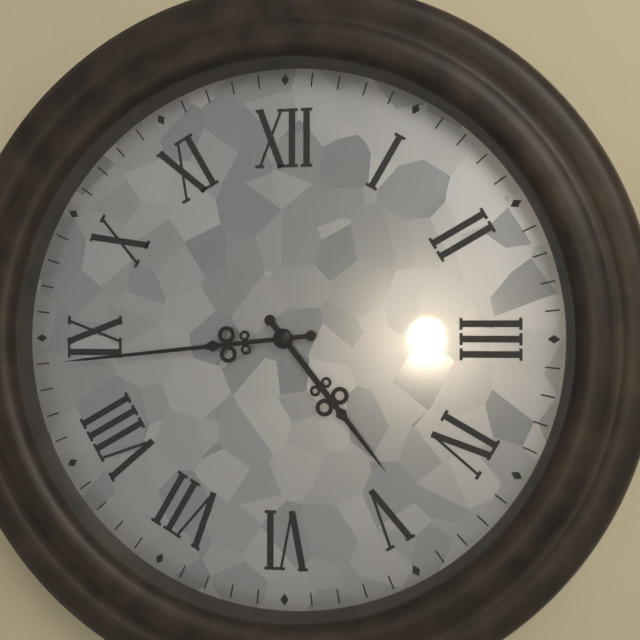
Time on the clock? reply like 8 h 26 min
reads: 4 h 44 min
